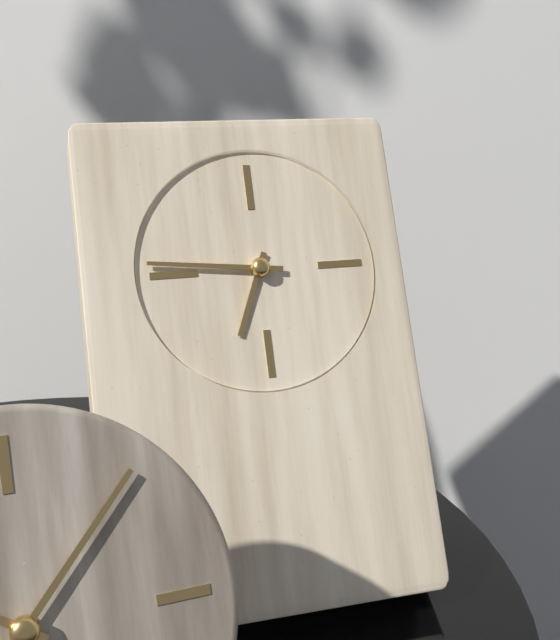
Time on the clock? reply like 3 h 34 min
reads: 6 h 46 min
